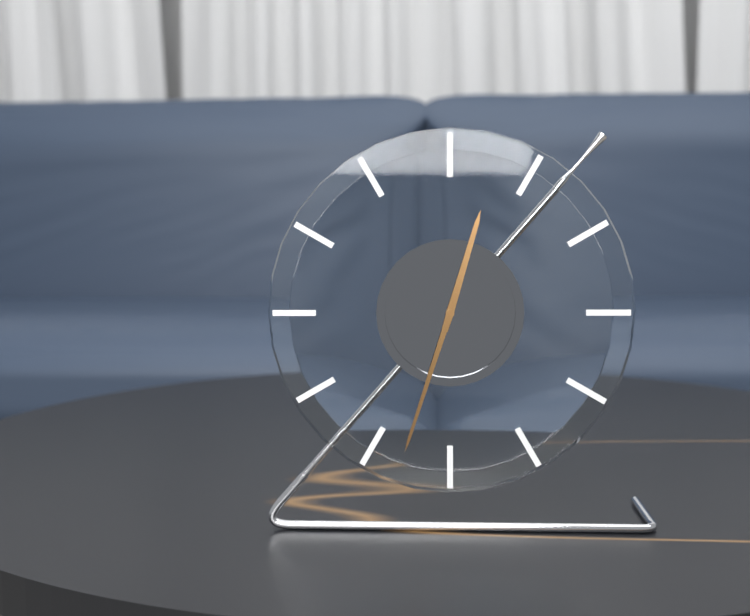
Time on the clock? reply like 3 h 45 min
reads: 12 h 33 min
